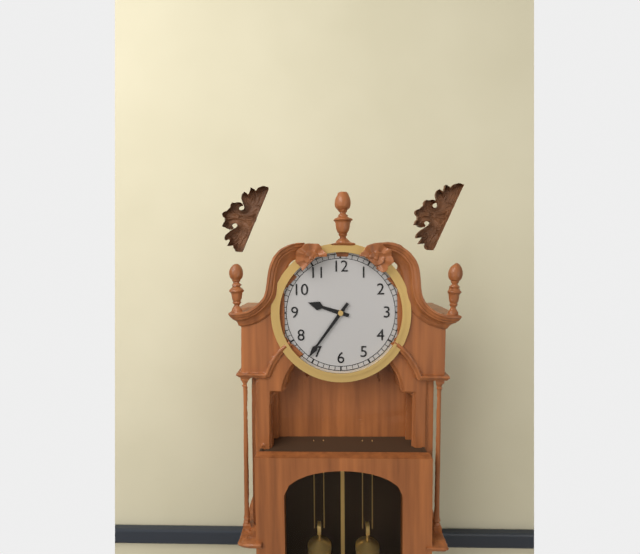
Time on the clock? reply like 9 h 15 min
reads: 9 h 36 min
